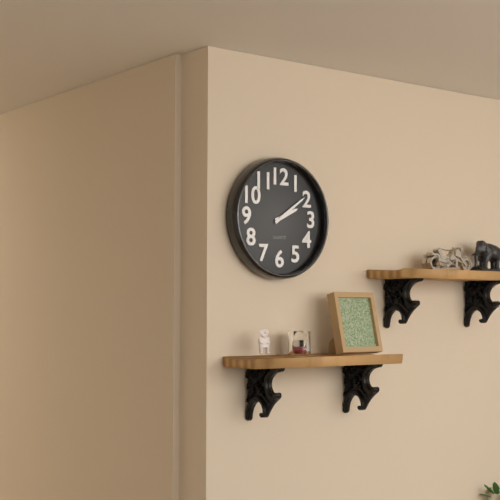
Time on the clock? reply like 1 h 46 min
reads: 2 h 09 min
